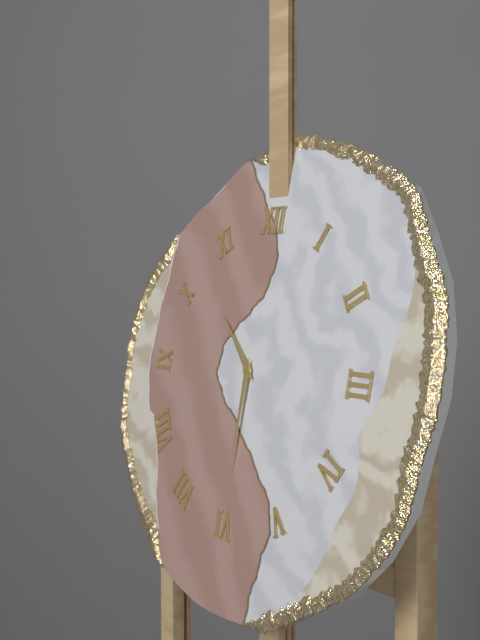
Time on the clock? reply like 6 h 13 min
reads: 10 h 30 min
